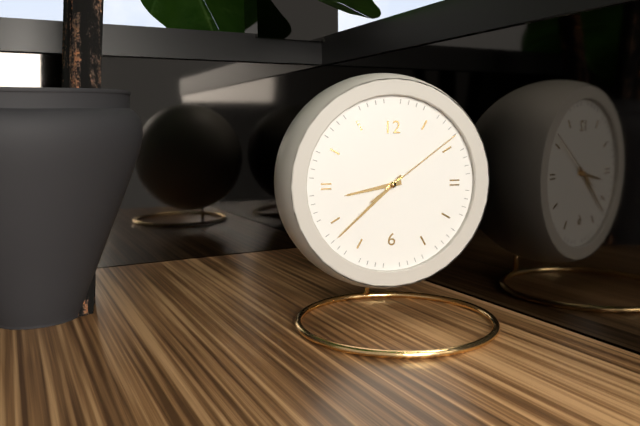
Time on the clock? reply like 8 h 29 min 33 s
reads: 8 h 38 min 09 s
